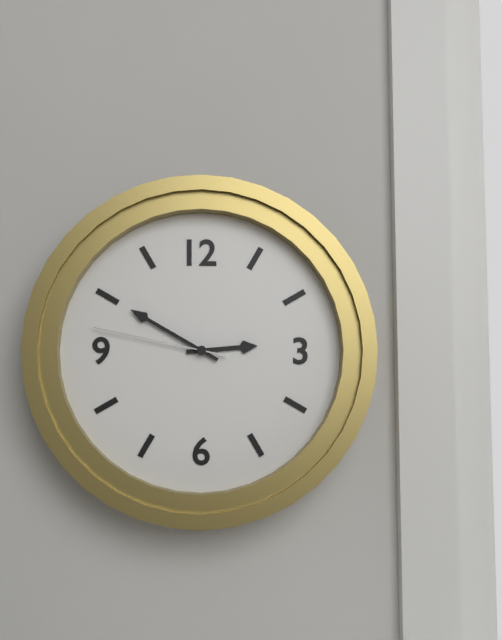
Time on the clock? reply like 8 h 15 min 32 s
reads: 2 h 50 min 47 s
